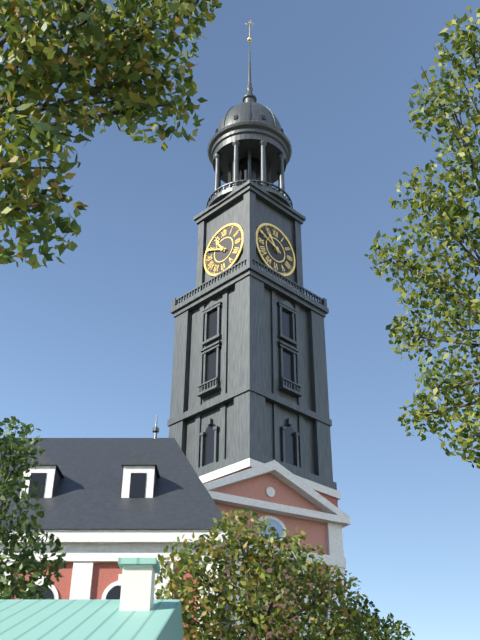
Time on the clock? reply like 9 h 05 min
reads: 10 h 49 min
